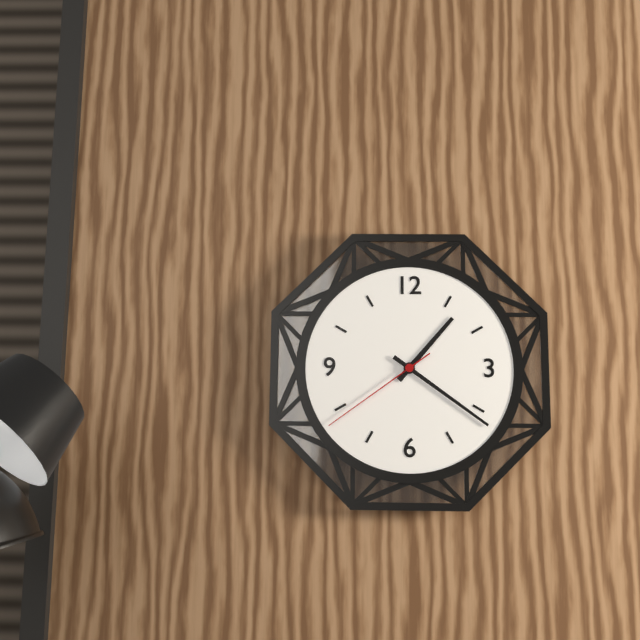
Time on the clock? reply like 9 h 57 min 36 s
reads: 1 h 21 min 39 s
